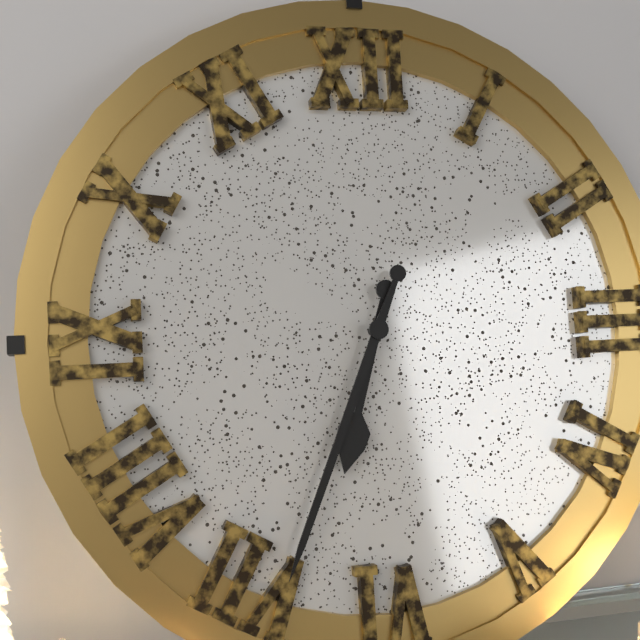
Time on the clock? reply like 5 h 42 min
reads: 6 h 34 min
